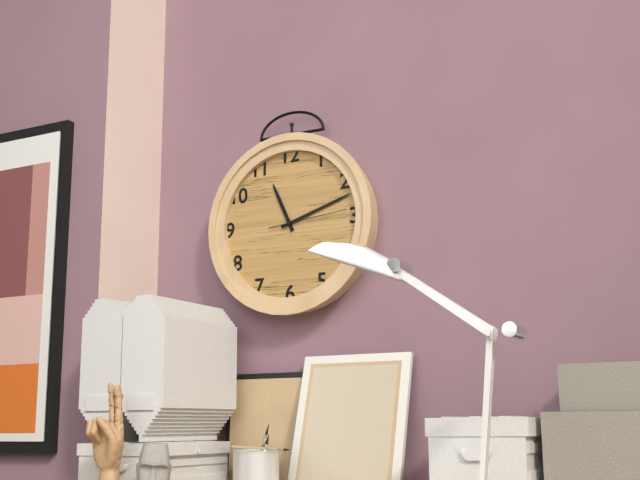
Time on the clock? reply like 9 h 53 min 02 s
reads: 11 h 12 min 14 s
